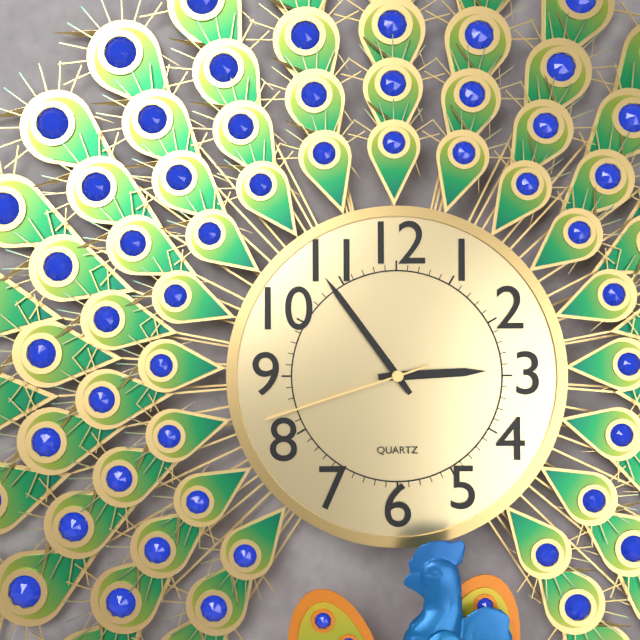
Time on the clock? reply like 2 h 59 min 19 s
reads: 2 h 54 min 42 s
